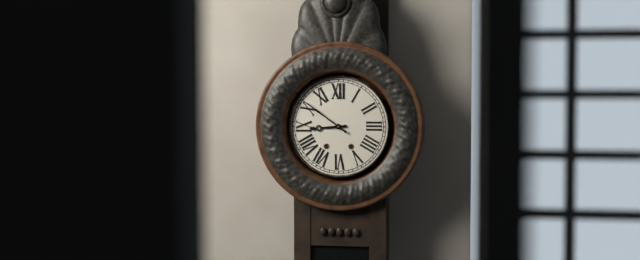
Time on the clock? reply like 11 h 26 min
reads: 8 h 51 min
